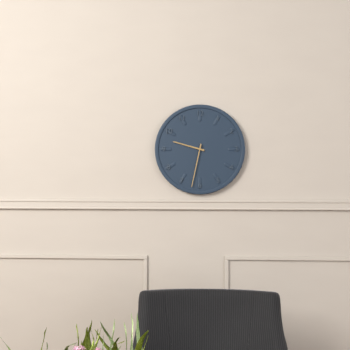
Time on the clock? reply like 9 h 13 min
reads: 9 h 32 min
